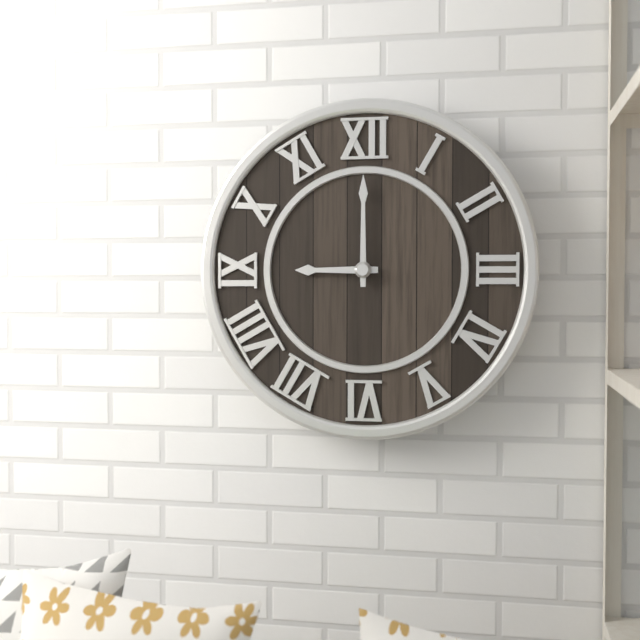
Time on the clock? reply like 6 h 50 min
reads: 9 h 00 min
